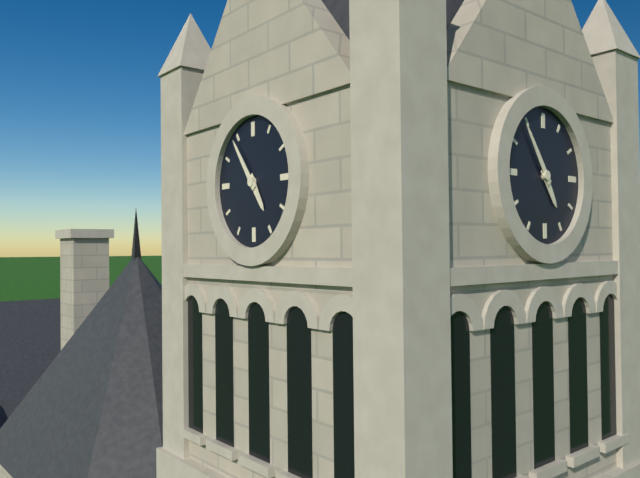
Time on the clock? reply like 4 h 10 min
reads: 4 h 54 min
